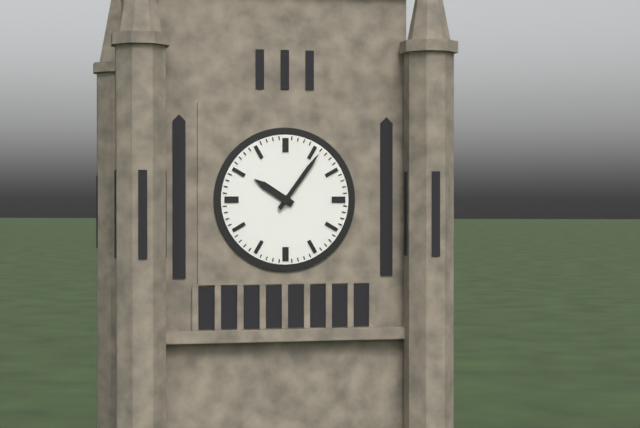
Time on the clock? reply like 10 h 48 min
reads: 10 h 06 min
